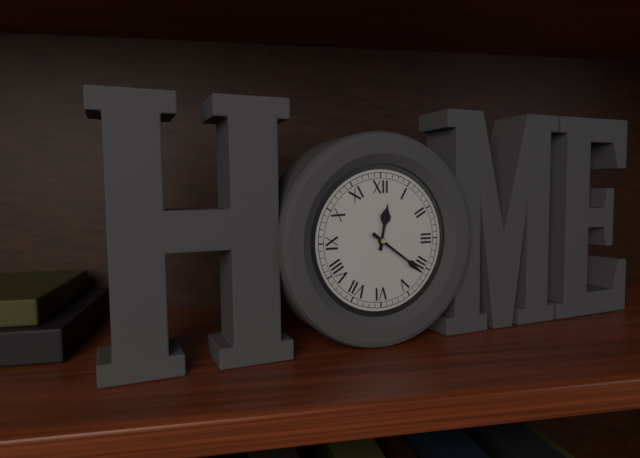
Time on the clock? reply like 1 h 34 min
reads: 12 h 21 min
